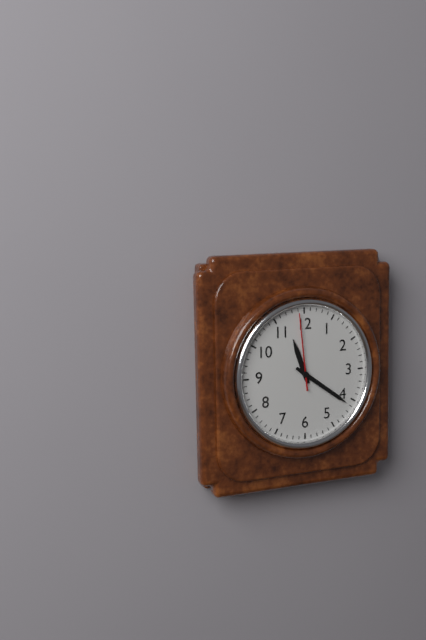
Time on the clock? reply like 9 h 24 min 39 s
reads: 11 h 21 min 59 s
